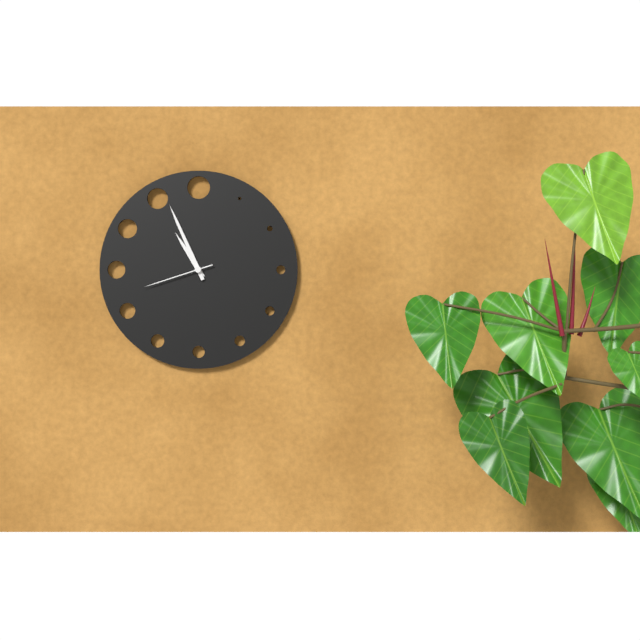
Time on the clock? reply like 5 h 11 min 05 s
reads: 10 h 56 min 42 s
